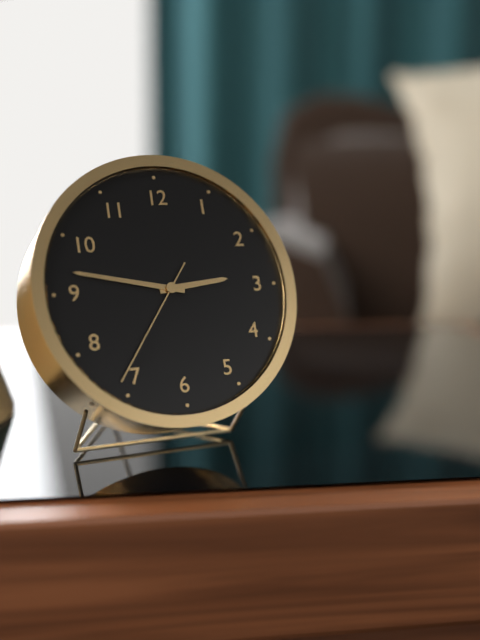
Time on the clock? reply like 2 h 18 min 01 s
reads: 2 h 47 min 36 s
